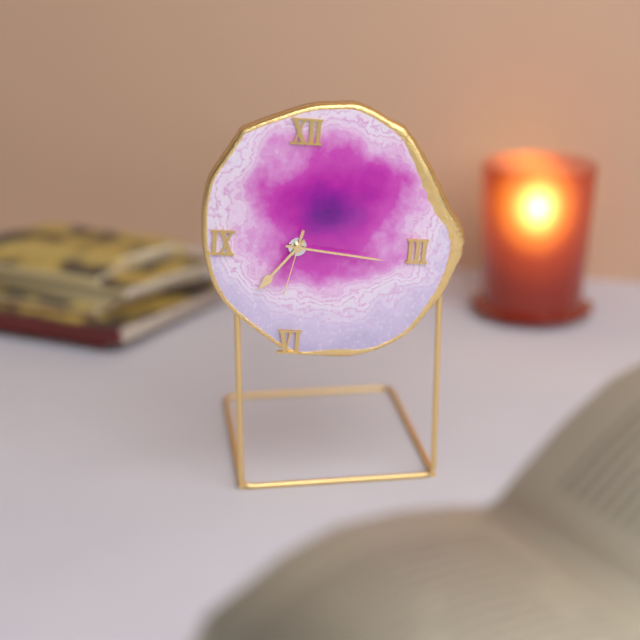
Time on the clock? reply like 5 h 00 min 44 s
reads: 7 h 16 min 32 s
